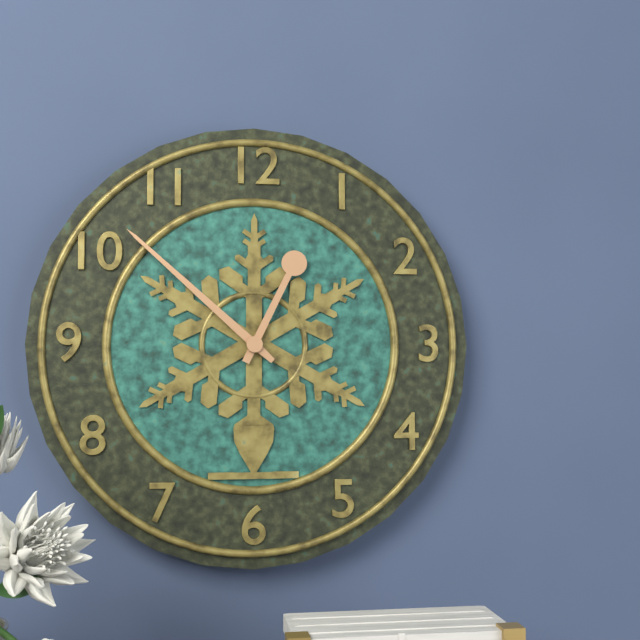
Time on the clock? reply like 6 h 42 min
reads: 12 h 52 min
